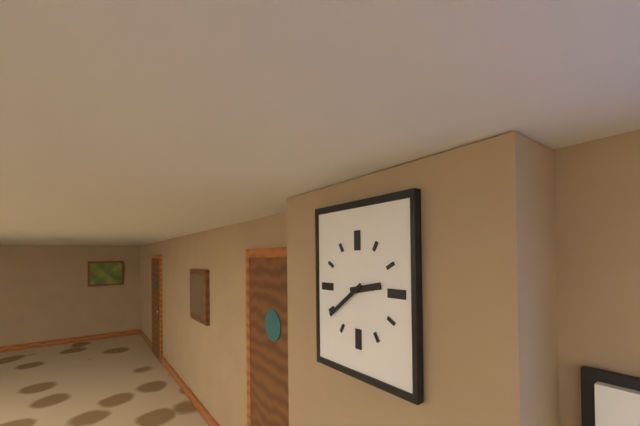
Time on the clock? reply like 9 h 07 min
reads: 2 h 39 min
